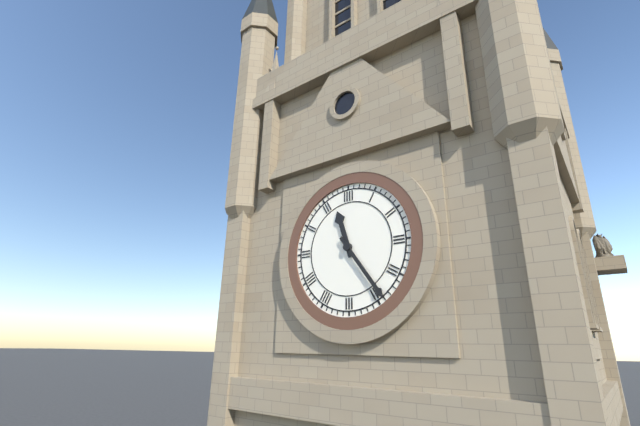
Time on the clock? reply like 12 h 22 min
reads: 11 h 24 min
